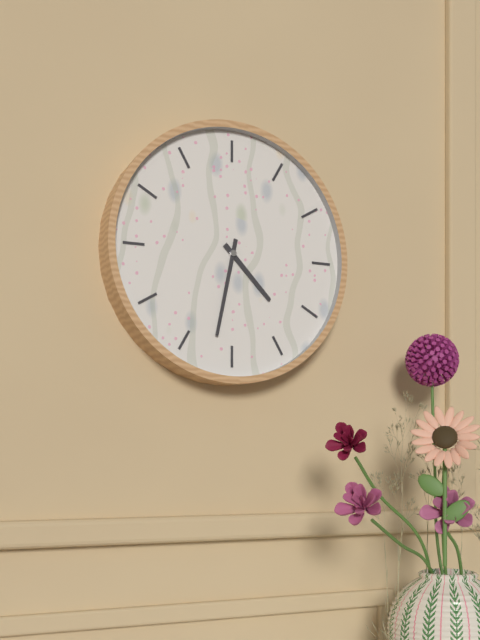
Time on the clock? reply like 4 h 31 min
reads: 4 h 32 min
